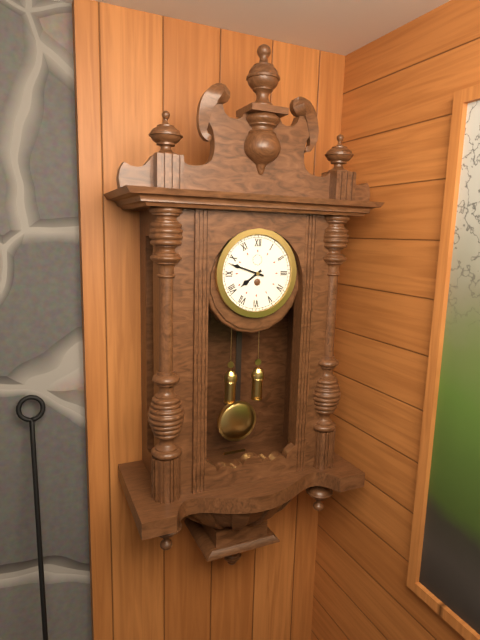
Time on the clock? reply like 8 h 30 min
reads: 7 h 48 min
